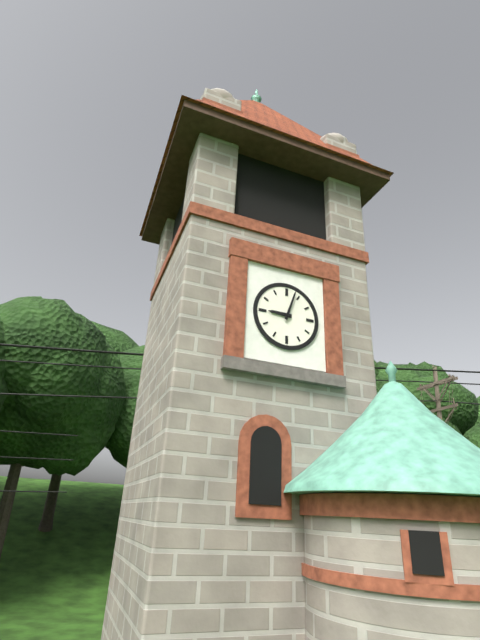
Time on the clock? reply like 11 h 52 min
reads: 9 h 03 min
